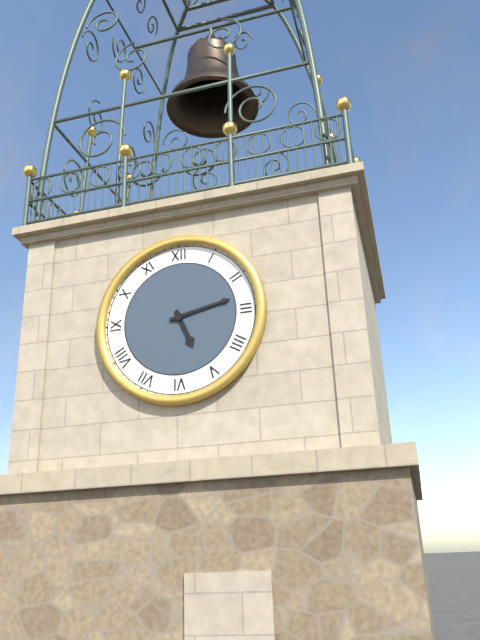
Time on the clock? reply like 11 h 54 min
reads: 5 h 13 min
